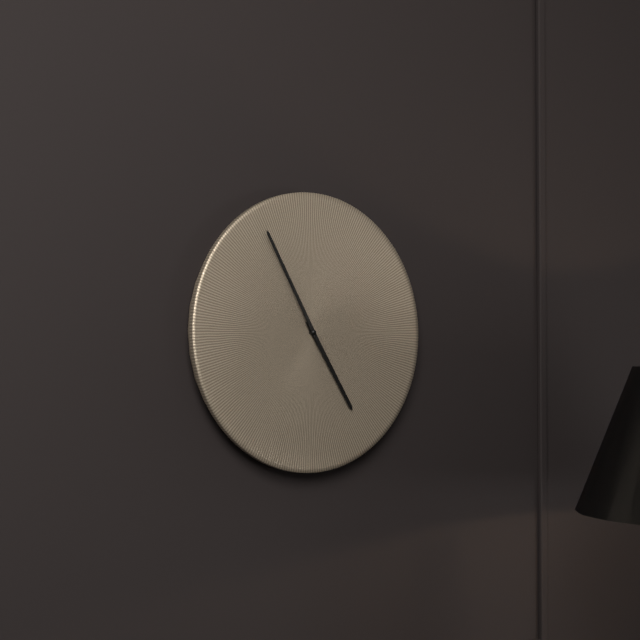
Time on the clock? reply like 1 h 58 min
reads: 4 h 55 min
